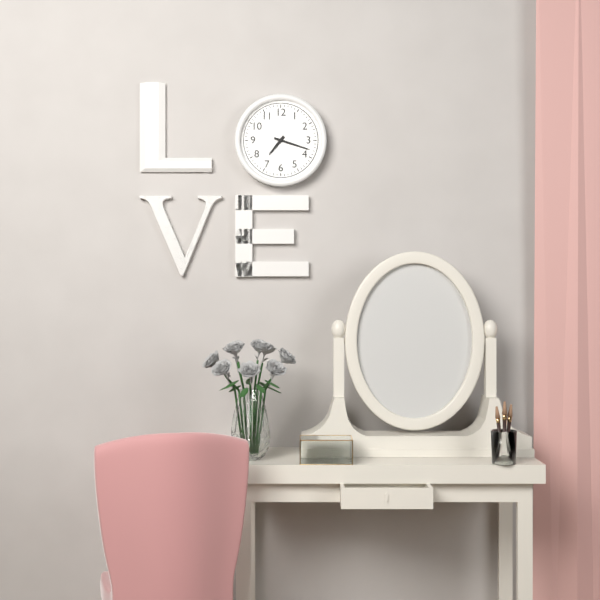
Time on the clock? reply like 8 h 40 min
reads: 7 h 18 min
